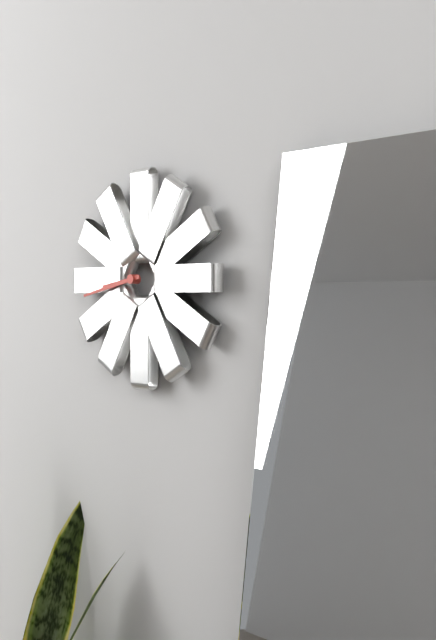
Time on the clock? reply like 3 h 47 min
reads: 8 h 43 min
